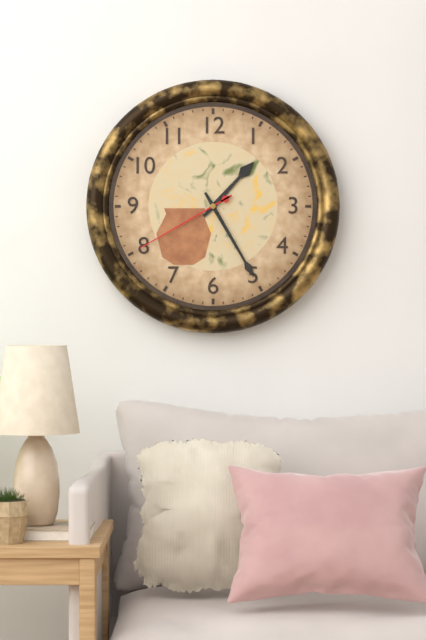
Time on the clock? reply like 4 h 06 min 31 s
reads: 1 h 25 min 40 s
